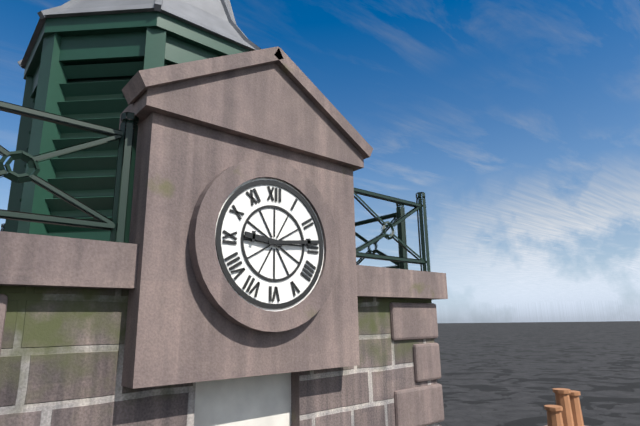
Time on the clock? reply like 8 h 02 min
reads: 9 h 14 min
